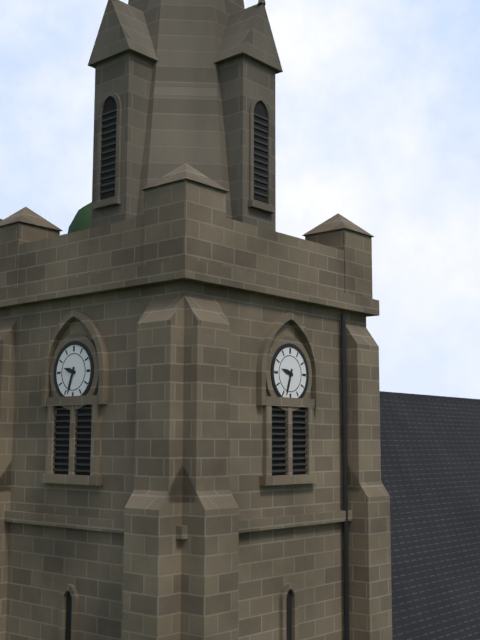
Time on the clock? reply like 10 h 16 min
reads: 9 h 33 min
